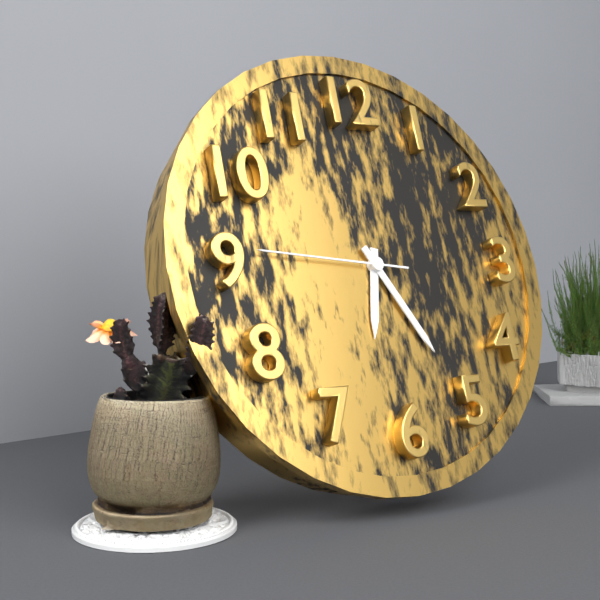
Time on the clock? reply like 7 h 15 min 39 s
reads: 6 h 25 min 46 s
